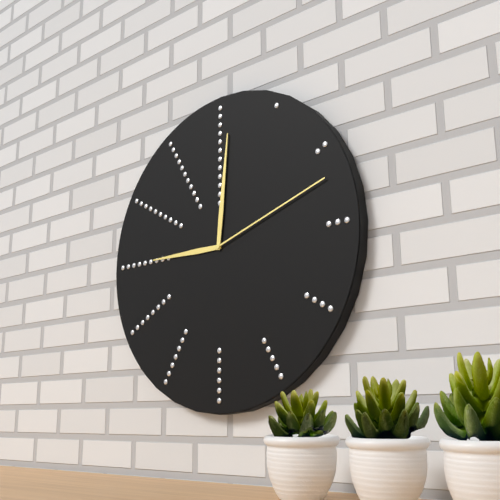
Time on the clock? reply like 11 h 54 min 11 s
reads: 9 h 01 min 12 s
